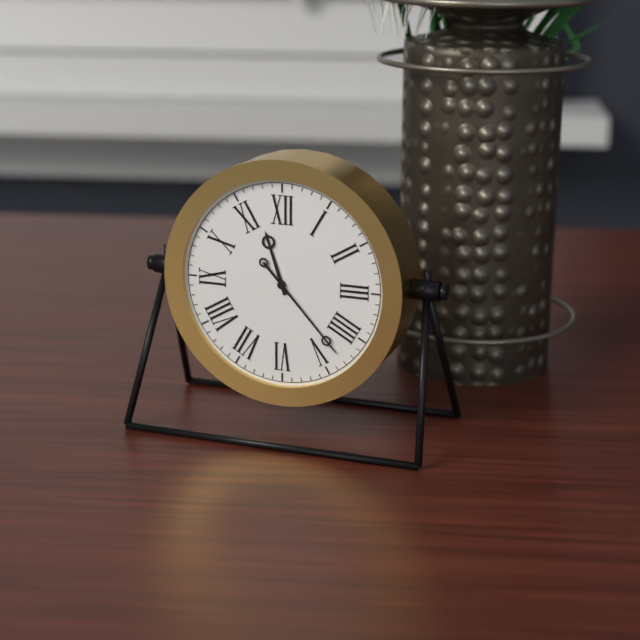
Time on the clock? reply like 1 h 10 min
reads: 11 h 23 min
